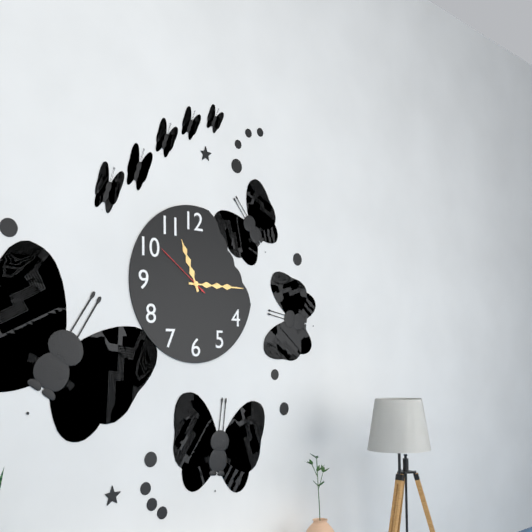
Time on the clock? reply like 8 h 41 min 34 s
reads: 11 h 15 min 51 s
